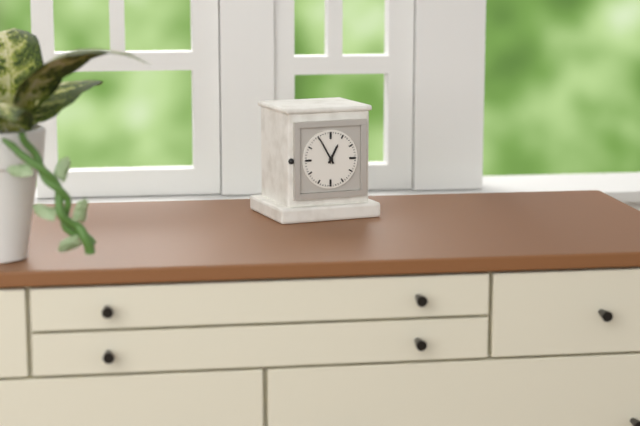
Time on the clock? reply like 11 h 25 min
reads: 12 h 55 min
